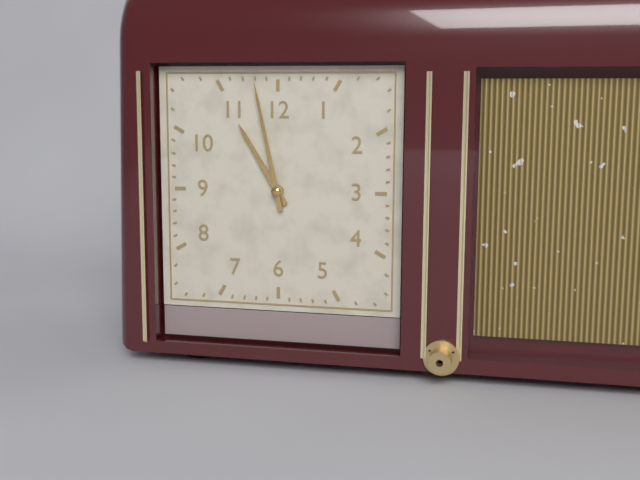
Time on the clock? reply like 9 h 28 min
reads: 10 h 58 min
